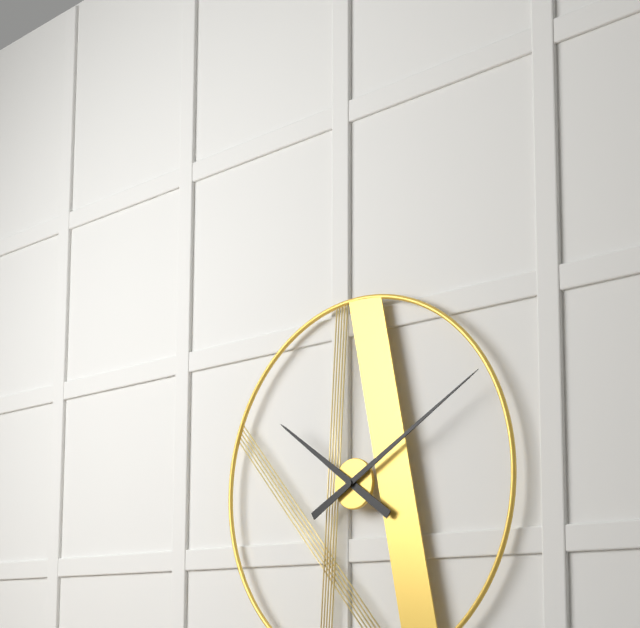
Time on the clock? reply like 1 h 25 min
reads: 10 h 10 min
